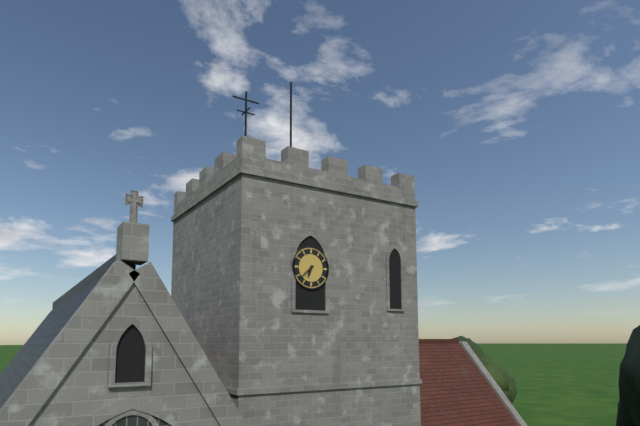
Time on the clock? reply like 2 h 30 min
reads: 6 h 38 min
